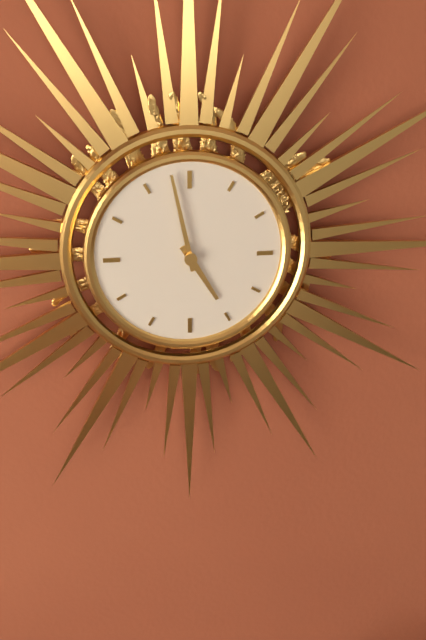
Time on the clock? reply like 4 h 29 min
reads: 4 h 58 min
